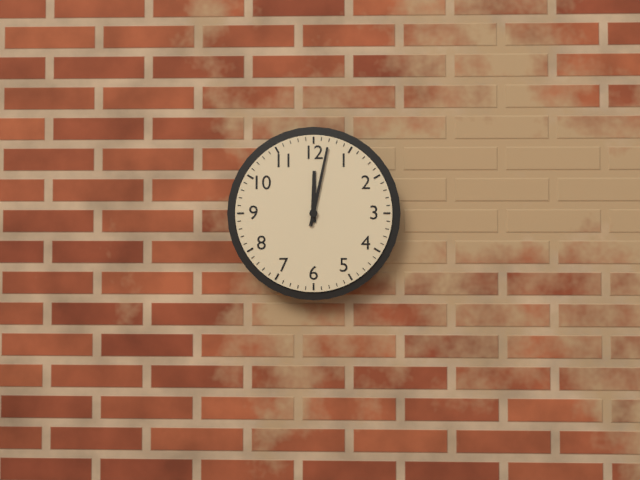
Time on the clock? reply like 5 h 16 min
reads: 12 h 02 min
